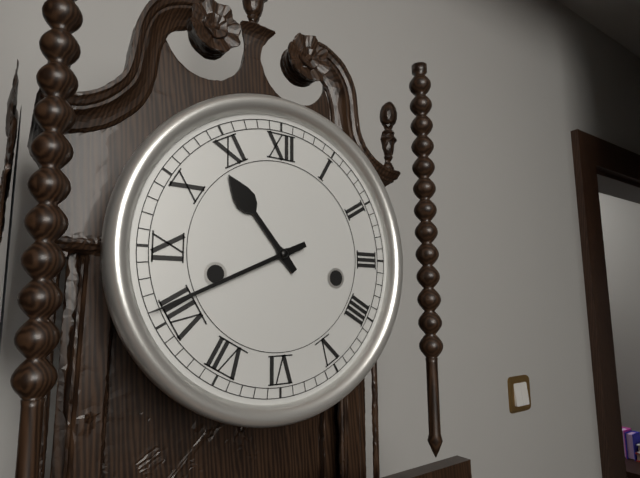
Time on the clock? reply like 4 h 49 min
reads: 10 h 41 min
